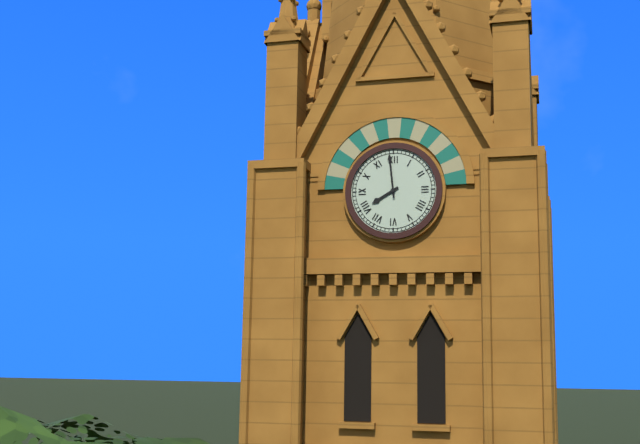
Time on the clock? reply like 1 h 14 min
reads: 7 h 59 min
